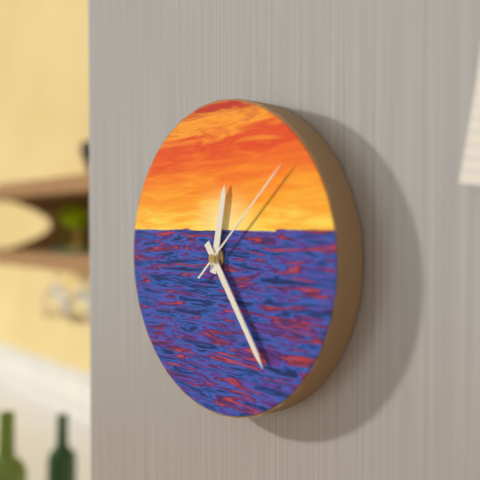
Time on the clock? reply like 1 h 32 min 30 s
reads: 12 h 24 min 08 s
